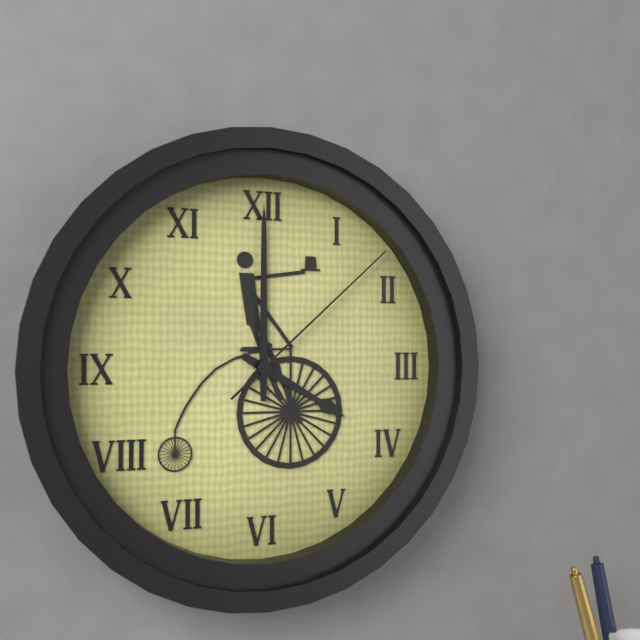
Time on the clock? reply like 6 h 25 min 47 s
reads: 4 h 00 min 08 s
